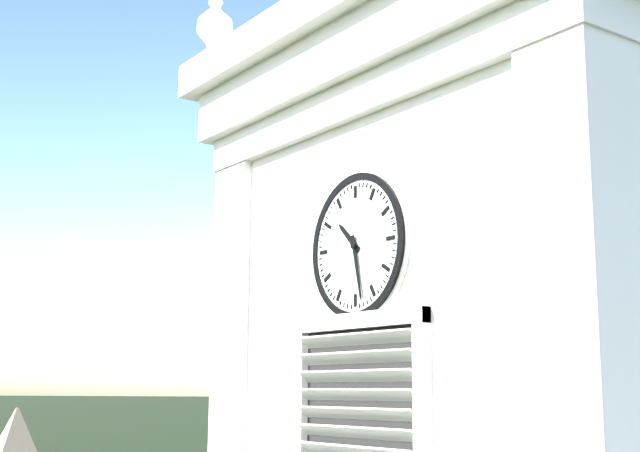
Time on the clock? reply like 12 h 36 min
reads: 10 h 28 min
